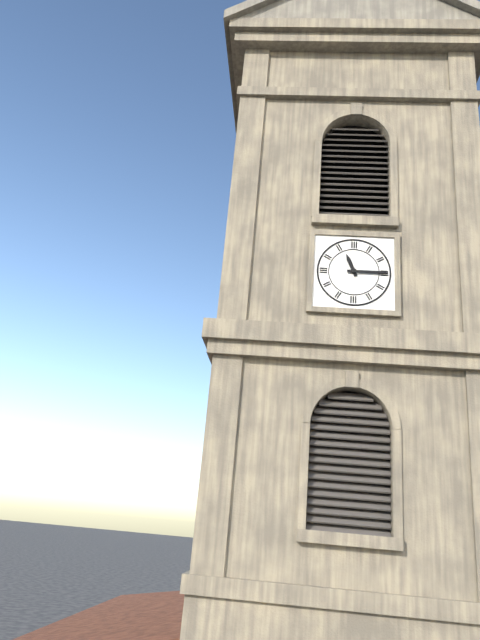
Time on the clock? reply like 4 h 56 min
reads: 11 h 15 min
